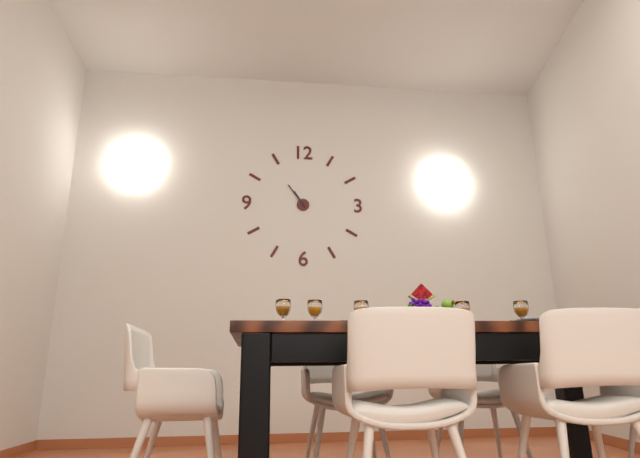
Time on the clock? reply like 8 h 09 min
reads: 10 h 54 min
